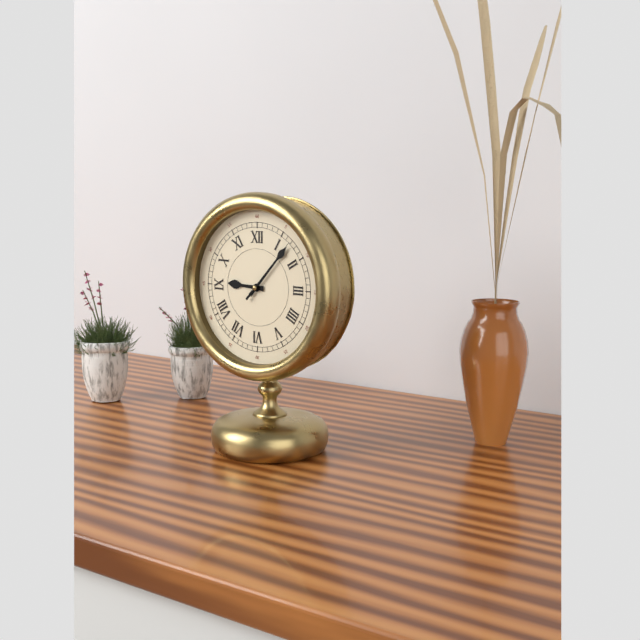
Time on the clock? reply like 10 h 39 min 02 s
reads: 9 h 07 min 07 s
